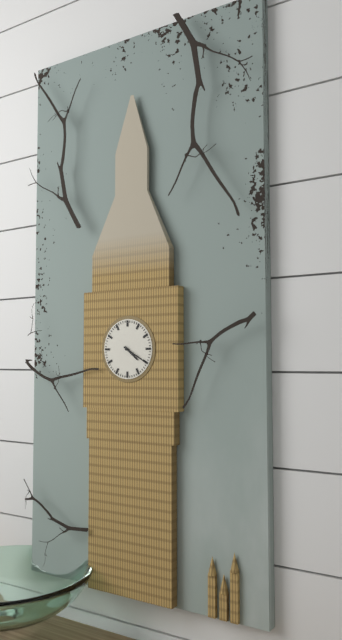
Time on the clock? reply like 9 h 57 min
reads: 4 h 20 min
